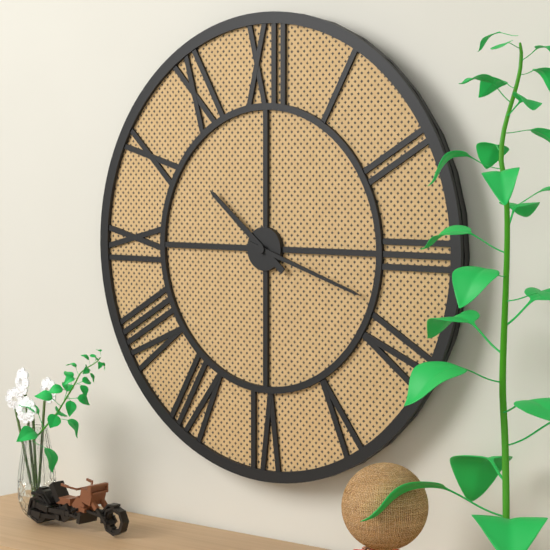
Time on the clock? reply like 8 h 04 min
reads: 10 h 18 min
